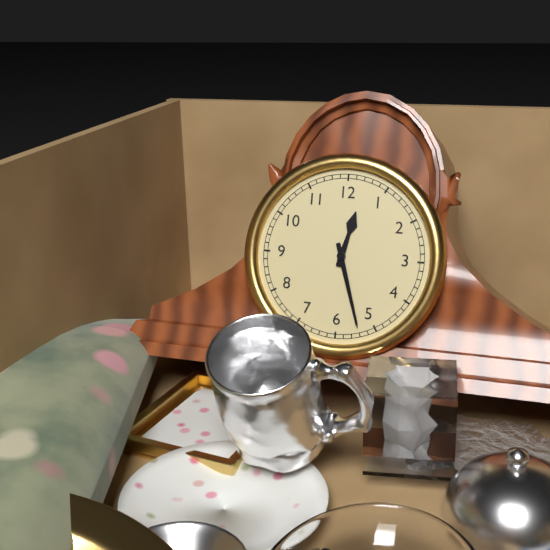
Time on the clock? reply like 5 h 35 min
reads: 12 h 27 min
